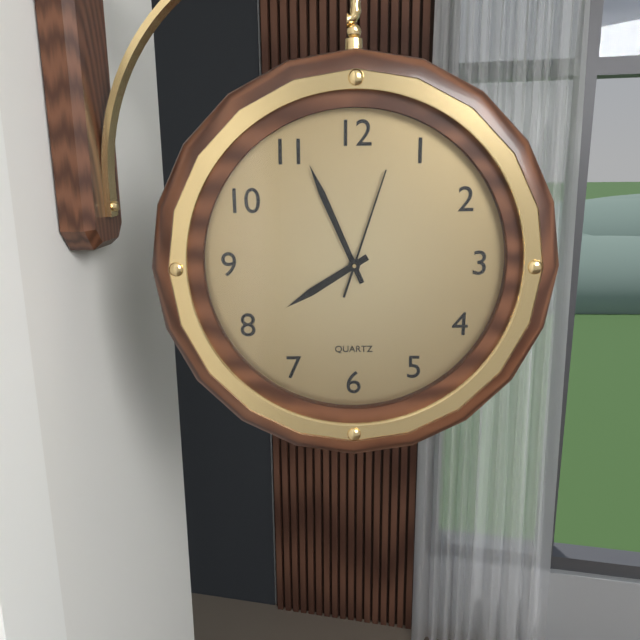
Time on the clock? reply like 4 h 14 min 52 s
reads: 7 h 56 min 03 s
